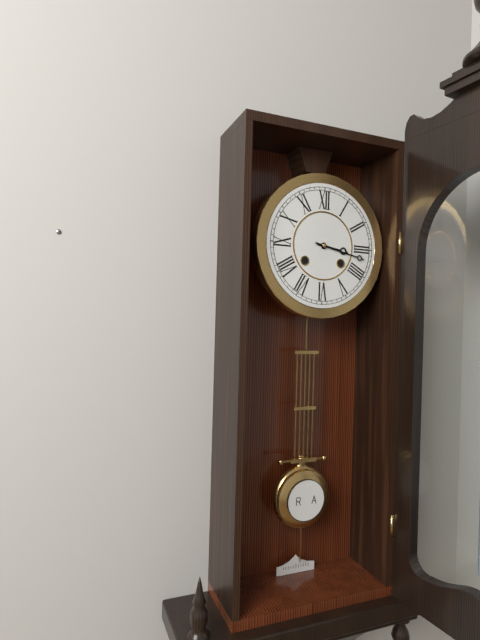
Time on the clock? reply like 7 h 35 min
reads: 3 h 17 min
